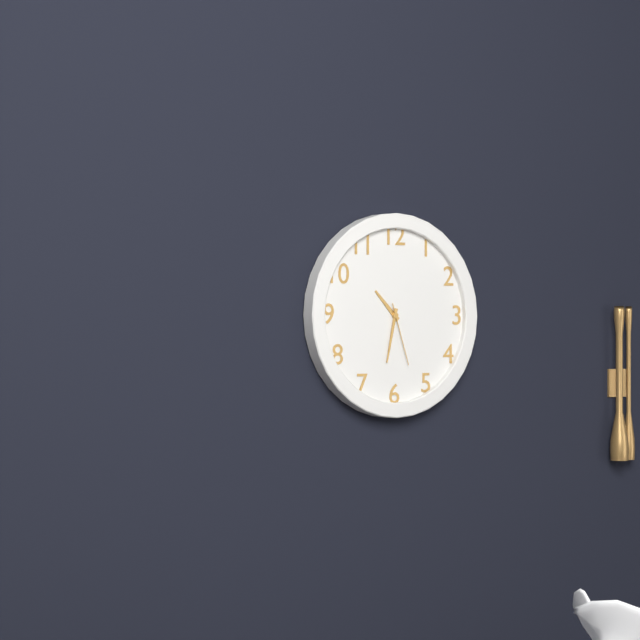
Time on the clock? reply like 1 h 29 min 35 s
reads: 10 h 32 min 27 s
